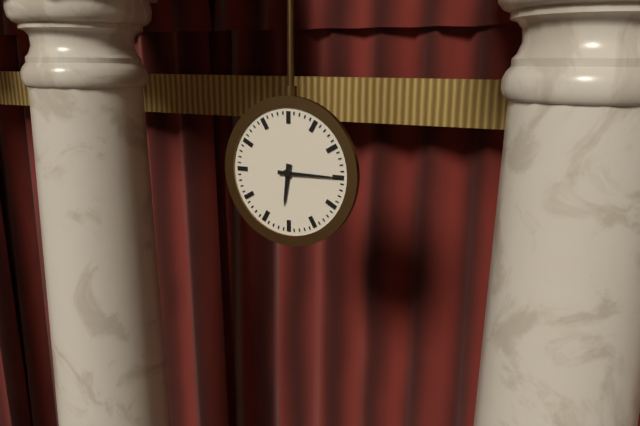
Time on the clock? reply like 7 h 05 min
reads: 6 h 15 min
